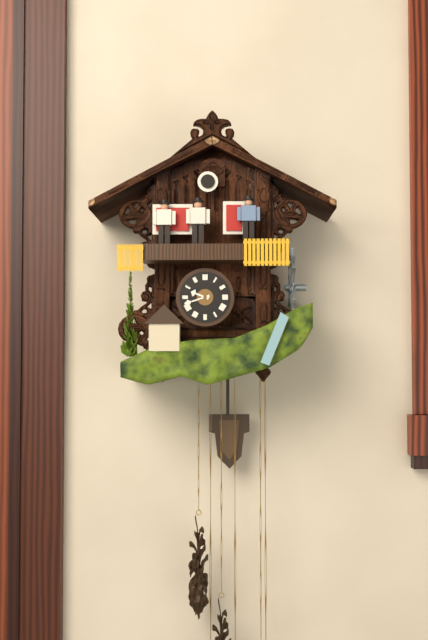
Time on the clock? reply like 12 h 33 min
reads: 9 h 42 min
